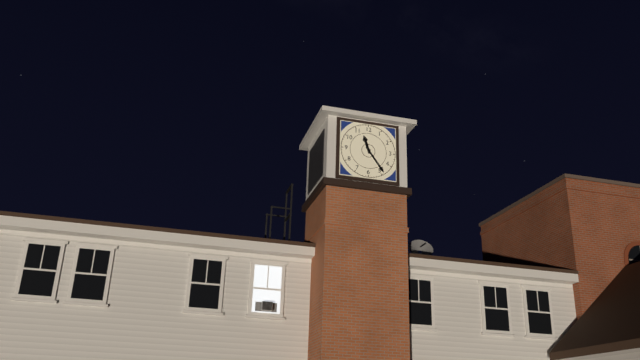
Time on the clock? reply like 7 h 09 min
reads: 11 h 24 min
